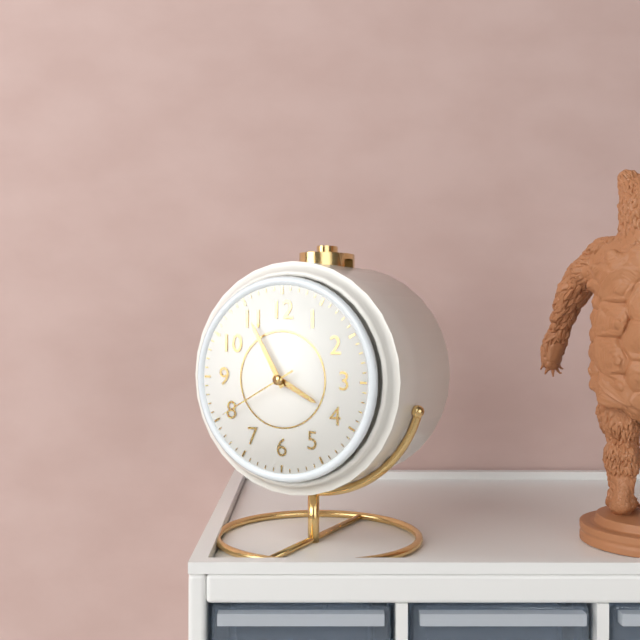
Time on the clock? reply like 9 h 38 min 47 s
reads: 3 h 55 min 40 s
